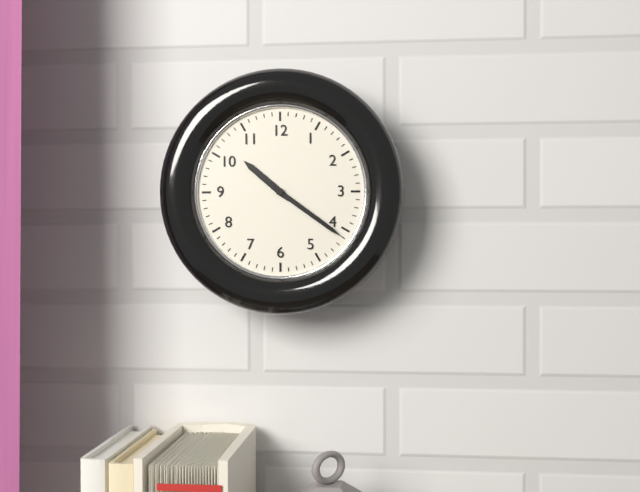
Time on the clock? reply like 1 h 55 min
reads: 10 h 21 min
